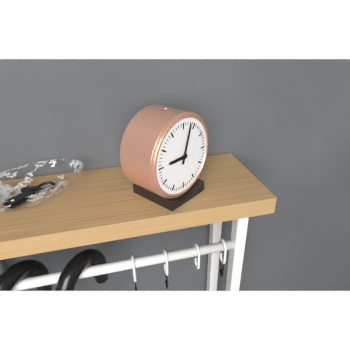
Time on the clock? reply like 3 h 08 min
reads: 9 h 03 min
